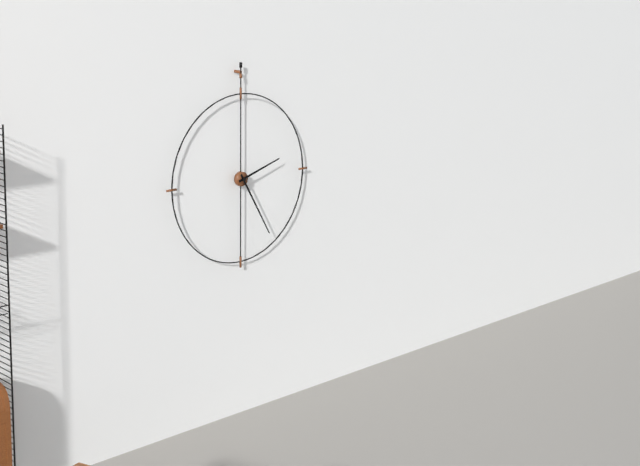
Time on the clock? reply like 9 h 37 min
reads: 2 h 25 min
